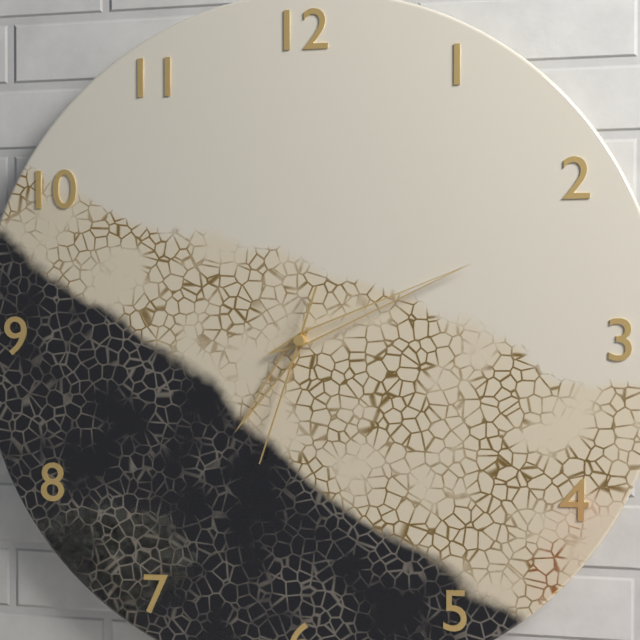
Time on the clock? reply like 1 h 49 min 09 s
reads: 7 h 11 min 33 s
